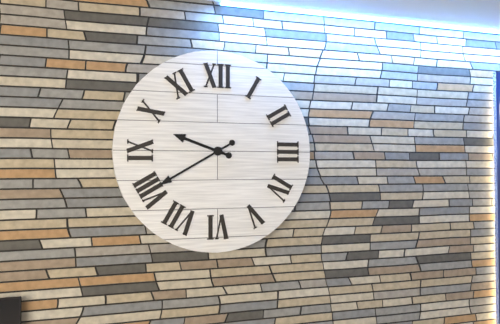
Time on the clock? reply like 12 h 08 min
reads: 9 h 40 min
